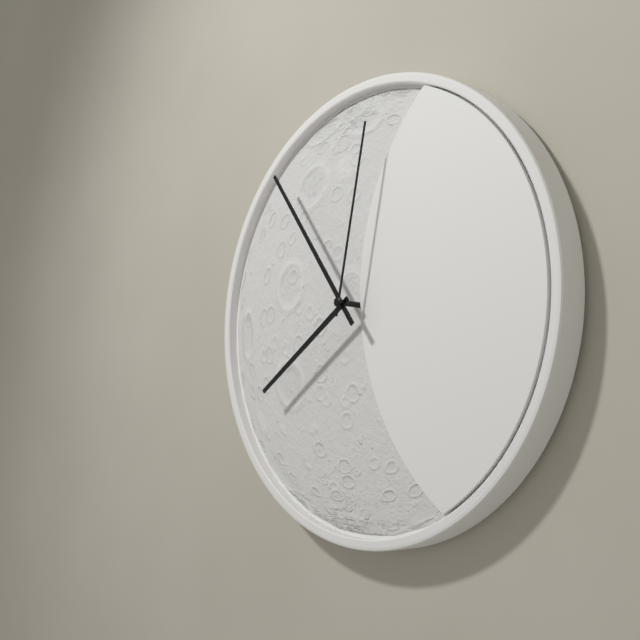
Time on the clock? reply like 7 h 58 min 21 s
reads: 7 h 54 min 02 s
